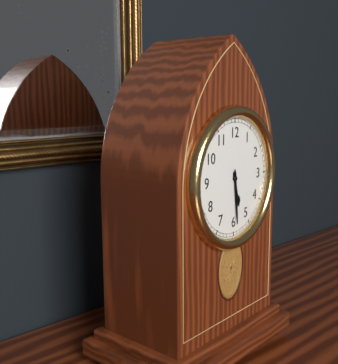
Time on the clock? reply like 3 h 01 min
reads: 5 h 29 min
